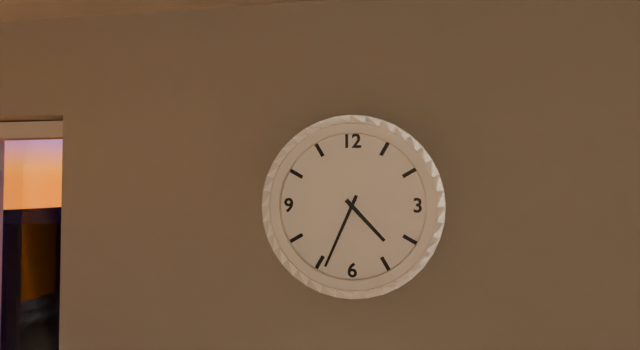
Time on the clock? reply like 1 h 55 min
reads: 4 h 34 min
